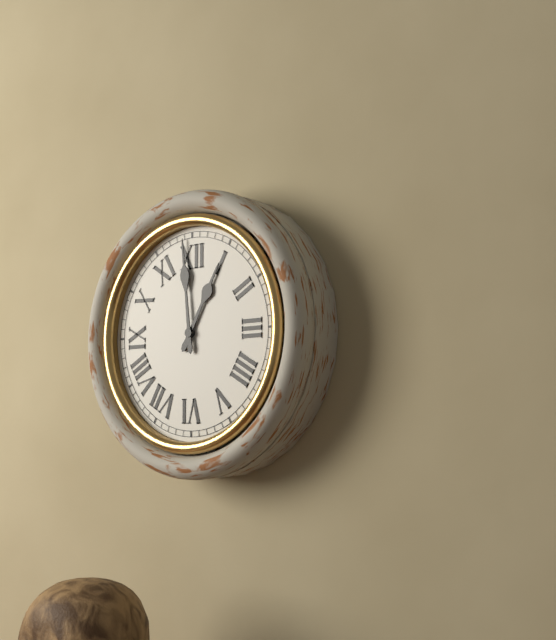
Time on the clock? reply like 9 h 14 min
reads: 12 h 59 min
